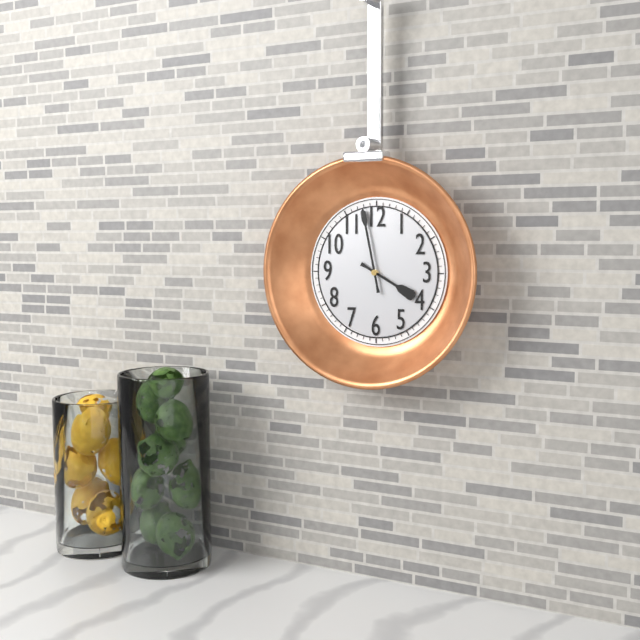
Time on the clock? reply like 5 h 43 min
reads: 3 h 58 min
